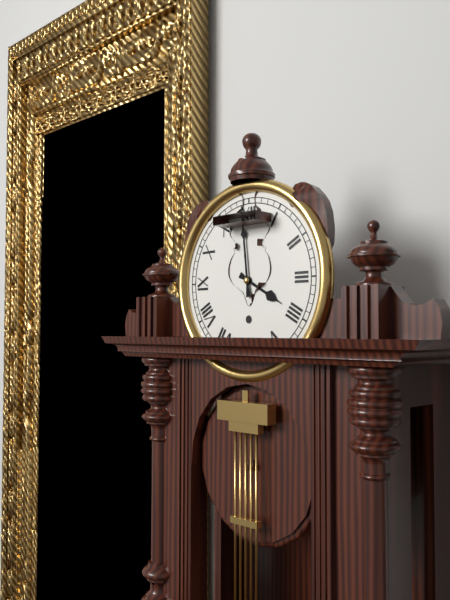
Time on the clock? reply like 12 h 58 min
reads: 3 h 59 min
